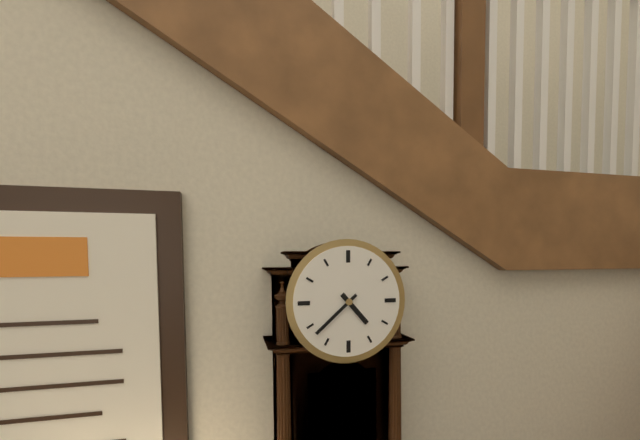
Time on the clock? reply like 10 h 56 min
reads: 4 h 38 min
